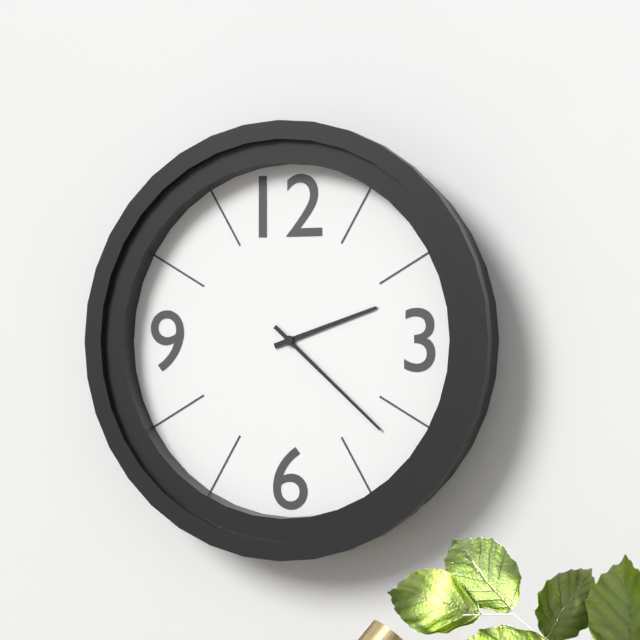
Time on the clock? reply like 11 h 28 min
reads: 2 h 22 min
